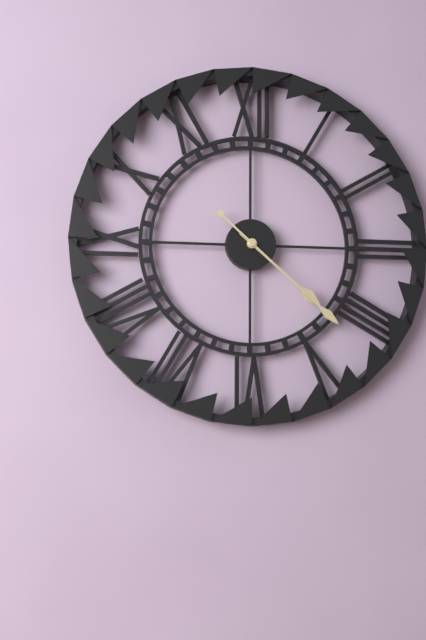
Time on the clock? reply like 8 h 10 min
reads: 4 h 22 min
